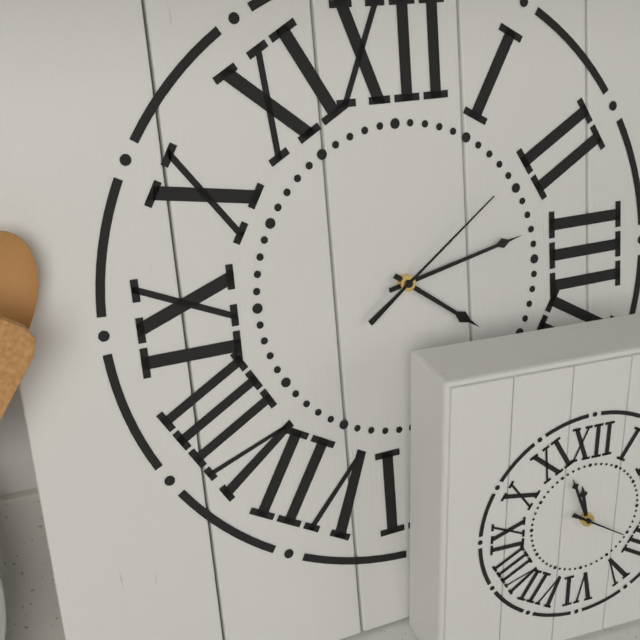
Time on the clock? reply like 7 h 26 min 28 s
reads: 4 h 13 min 09 s
